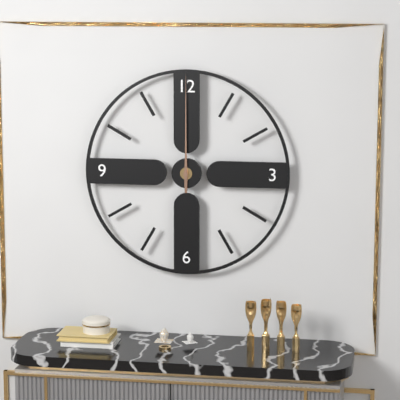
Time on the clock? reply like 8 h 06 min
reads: 12 h 00 min
